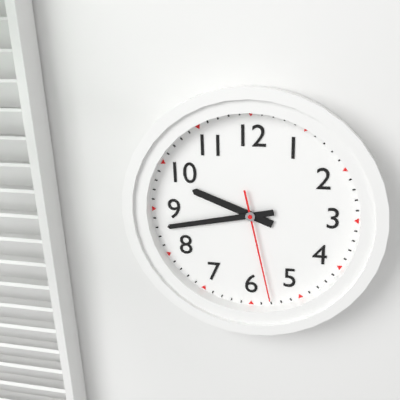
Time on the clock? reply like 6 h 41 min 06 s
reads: 9 h 43 min 28 s
